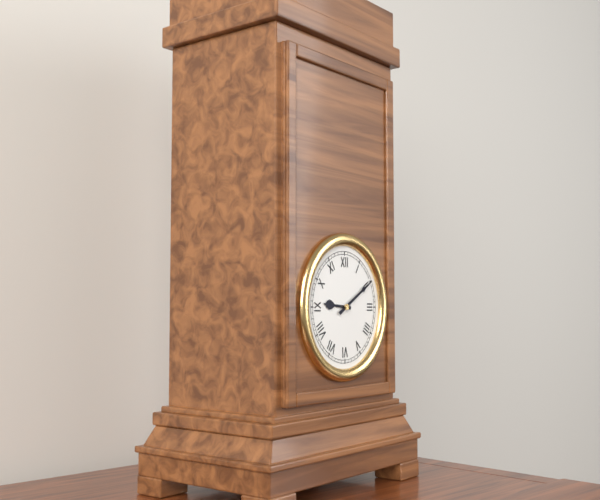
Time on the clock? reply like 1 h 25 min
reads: 9 h 10 min
